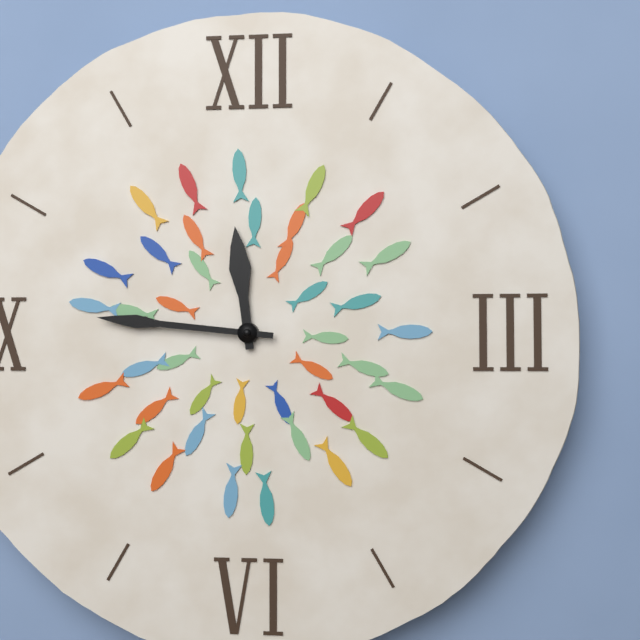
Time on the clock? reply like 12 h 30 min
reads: 11 h 46 min
